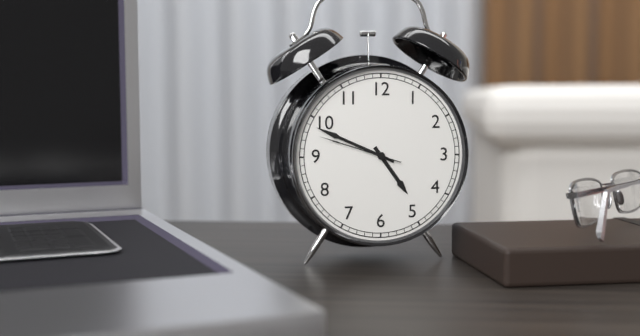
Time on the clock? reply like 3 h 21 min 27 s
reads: 4 h 49 min 48 s
